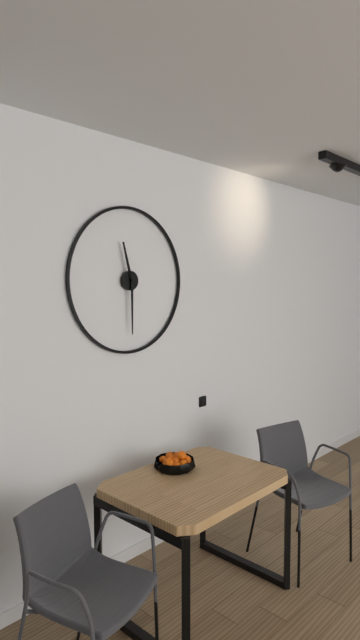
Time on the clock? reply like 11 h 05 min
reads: 11 h 30 min
